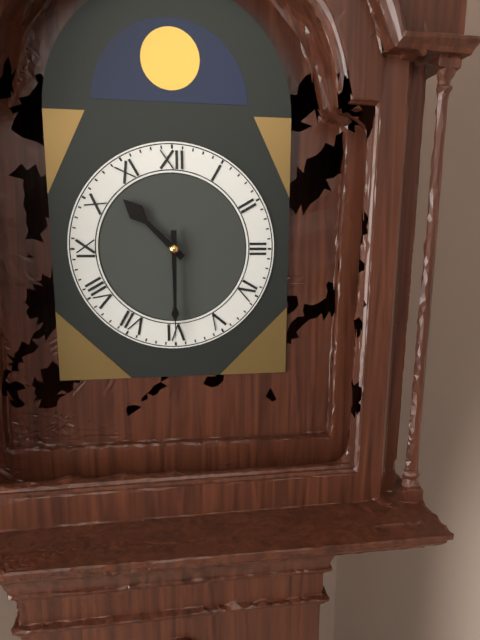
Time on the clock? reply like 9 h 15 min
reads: 10 h 30 min
